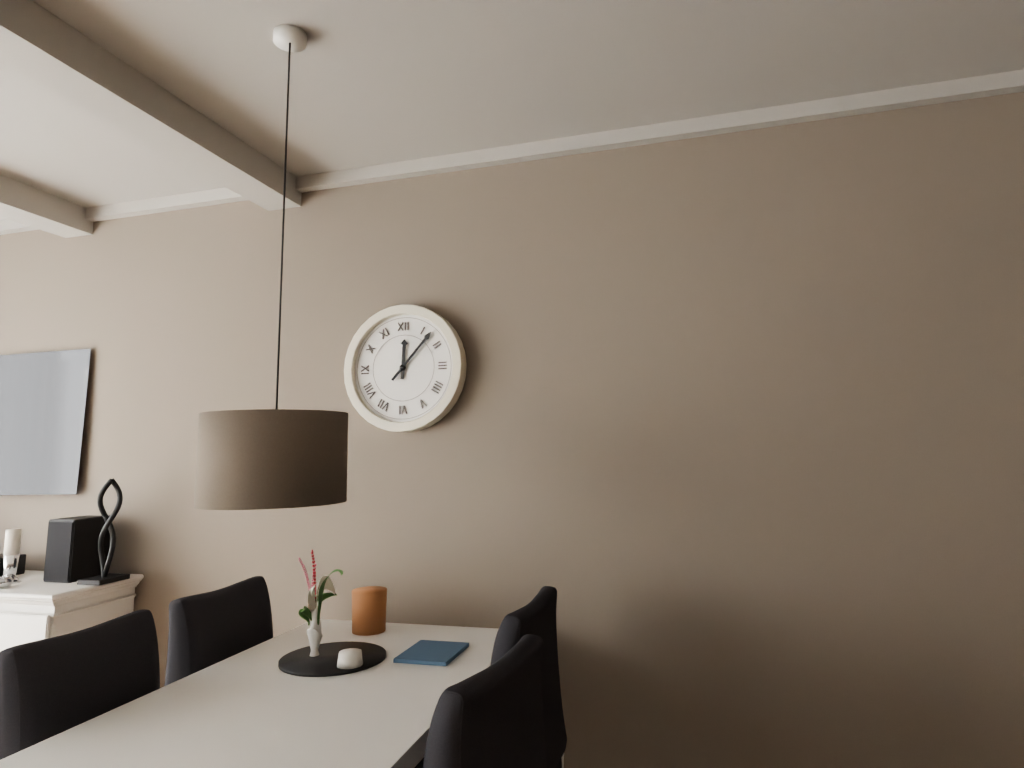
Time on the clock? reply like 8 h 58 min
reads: 12 h 07 min
